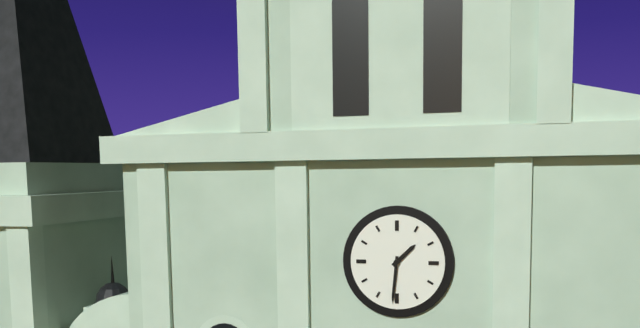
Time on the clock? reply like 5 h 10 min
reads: 1 h 31 min
